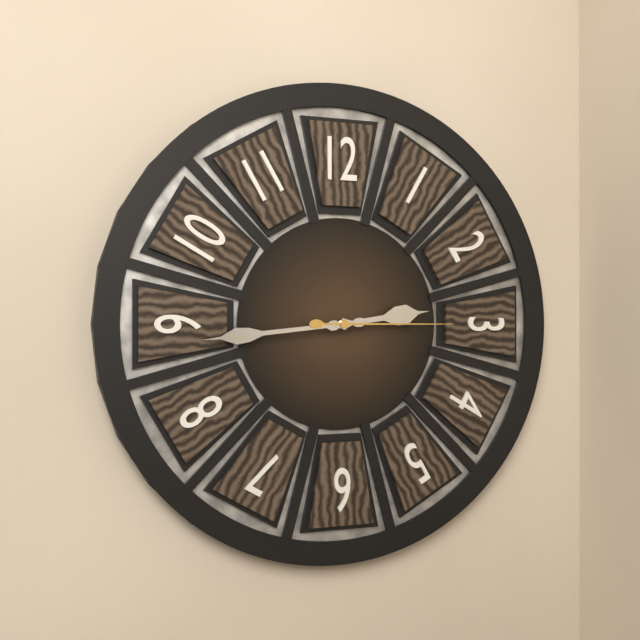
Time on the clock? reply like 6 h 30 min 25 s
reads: 2 h 44 min 15 s
